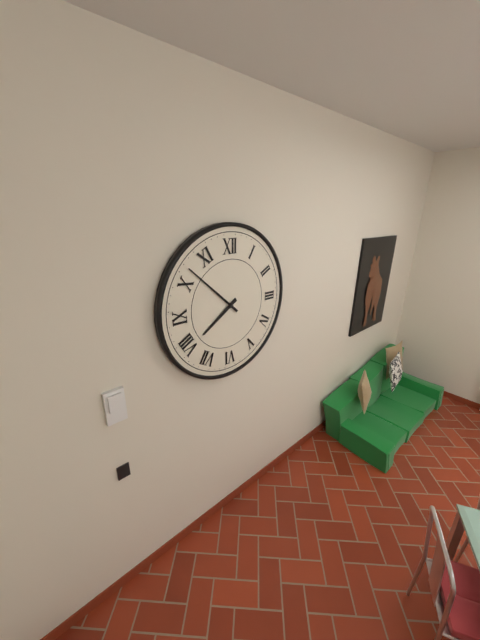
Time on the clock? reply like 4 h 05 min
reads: 7 h 52 min
